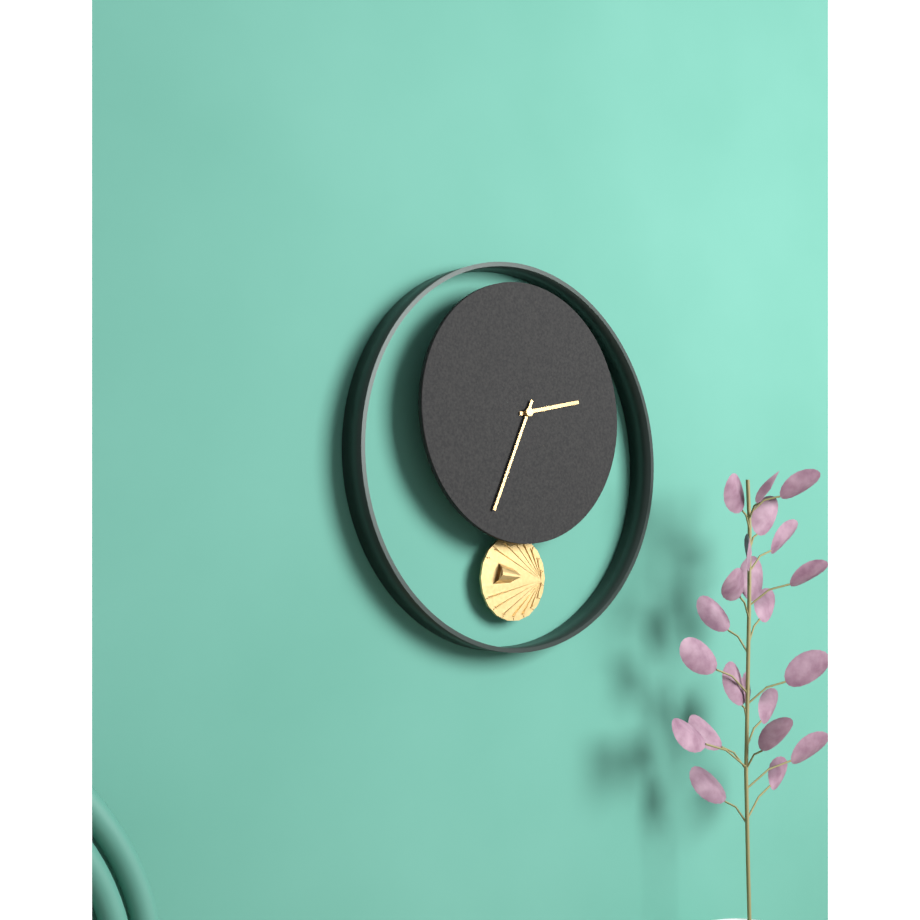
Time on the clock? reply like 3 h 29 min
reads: 2 h 34 min
